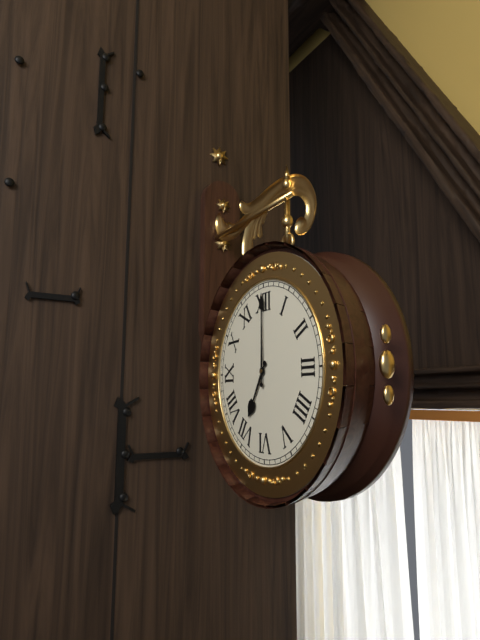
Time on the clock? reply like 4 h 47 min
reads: 7 h 00 min
